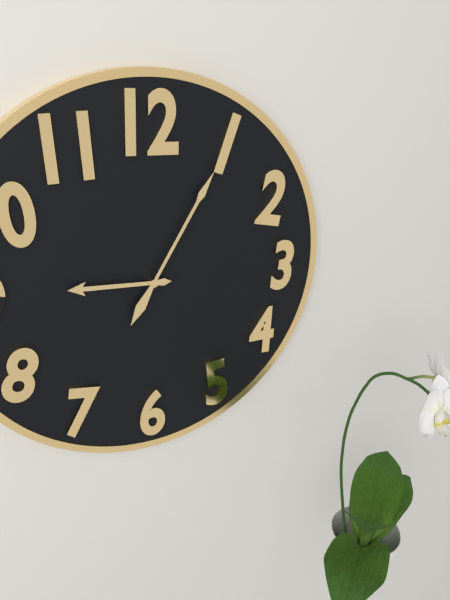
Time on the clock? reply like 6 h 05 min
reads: 9 h 05 min
